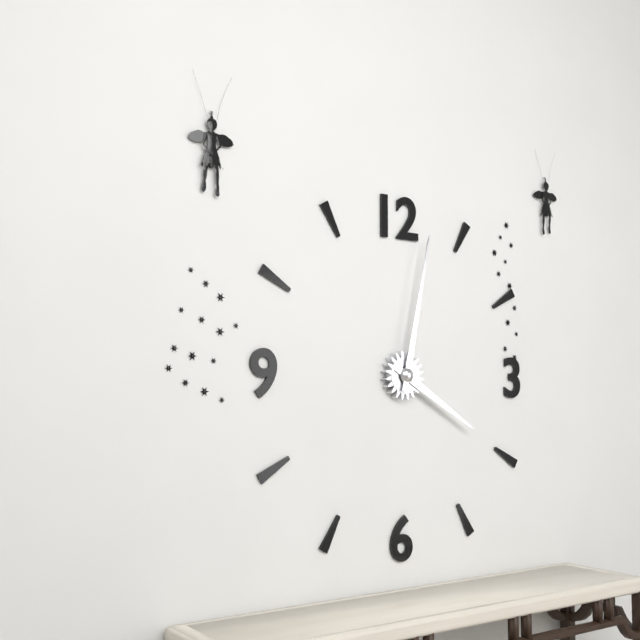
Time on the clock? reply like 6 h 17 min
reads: 4 h 02 min
